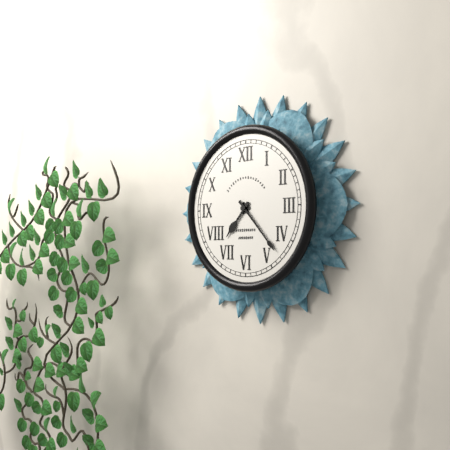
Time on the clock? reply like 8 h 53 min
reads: 7 h 23 min
